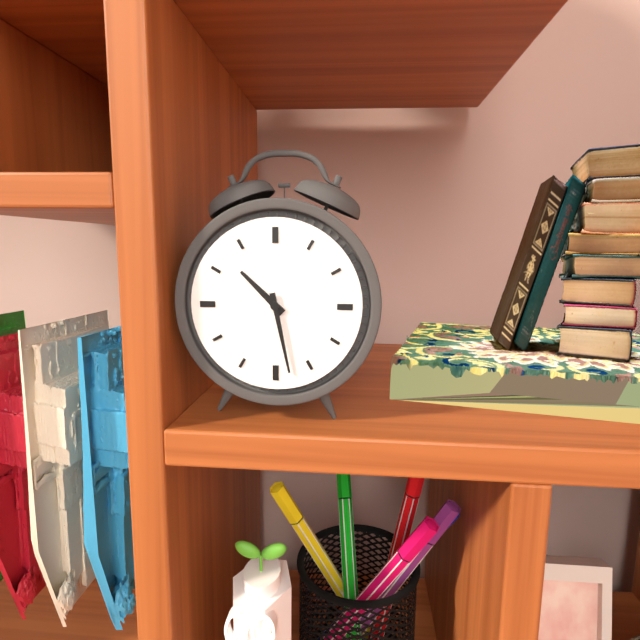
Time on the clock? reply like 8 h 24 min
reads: 10 h 28 min
